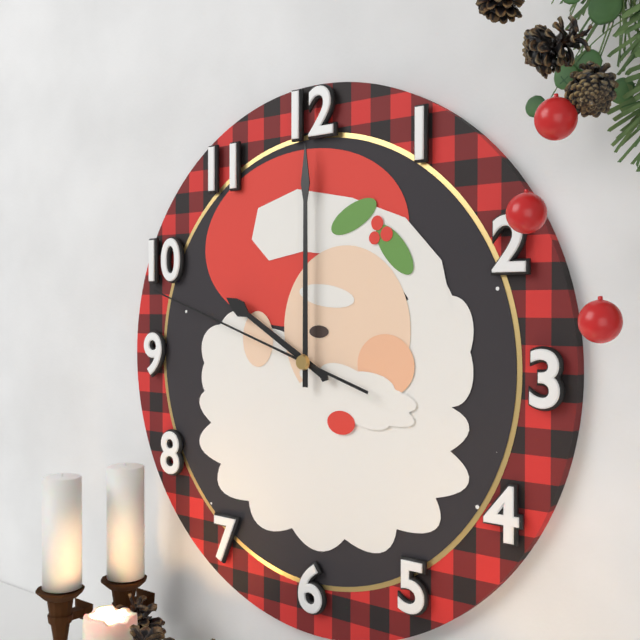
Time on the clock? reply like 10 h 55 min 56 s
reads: 10 h 00 min 48 s
